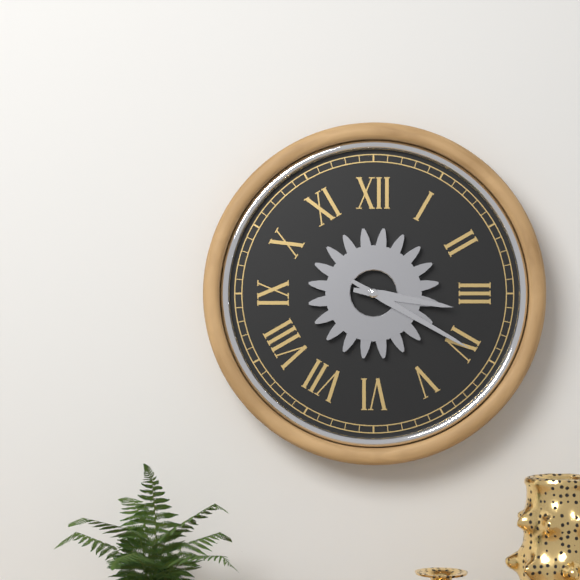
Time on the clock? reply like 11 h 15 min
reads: 3 h 20 min
